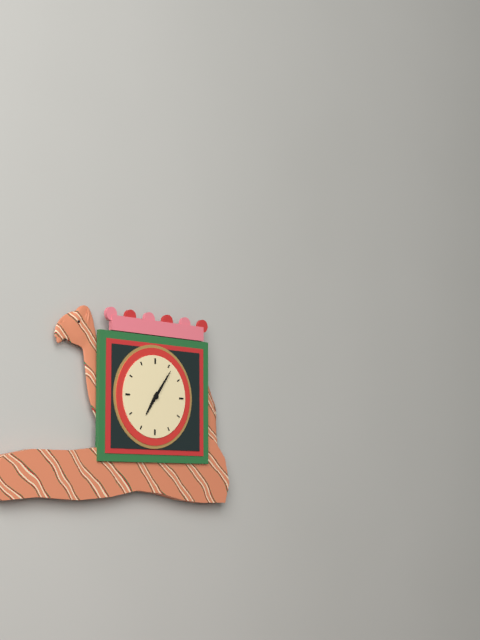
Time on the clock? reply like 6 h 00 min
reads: 7 h 06 min
